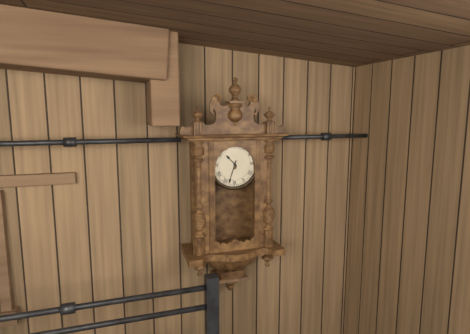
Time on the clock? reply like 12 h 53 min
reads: 10 h 33 min
